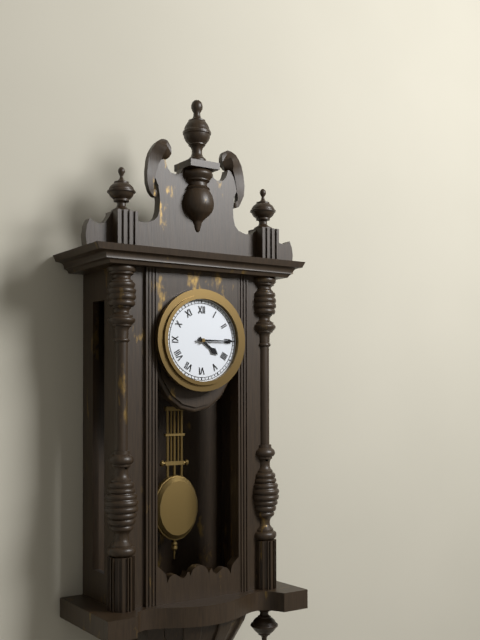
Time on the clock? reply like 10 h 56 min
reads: 4 h 15 min
